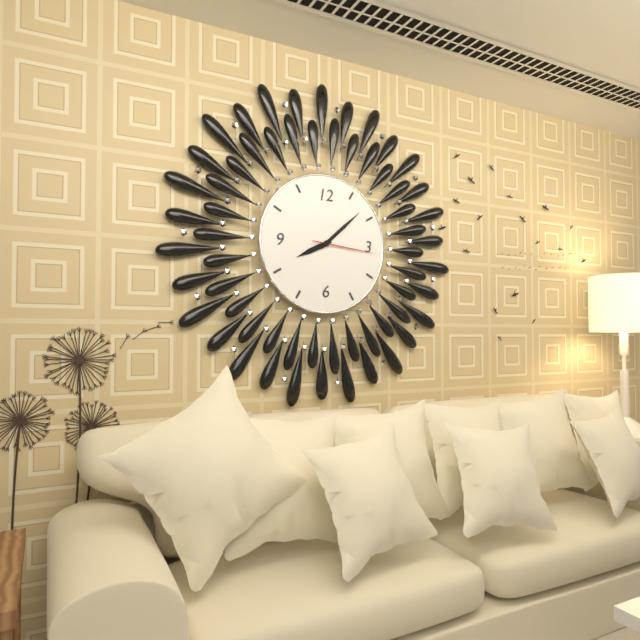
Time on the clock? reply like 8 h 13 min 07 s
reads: 8 h 08 min 16 s
